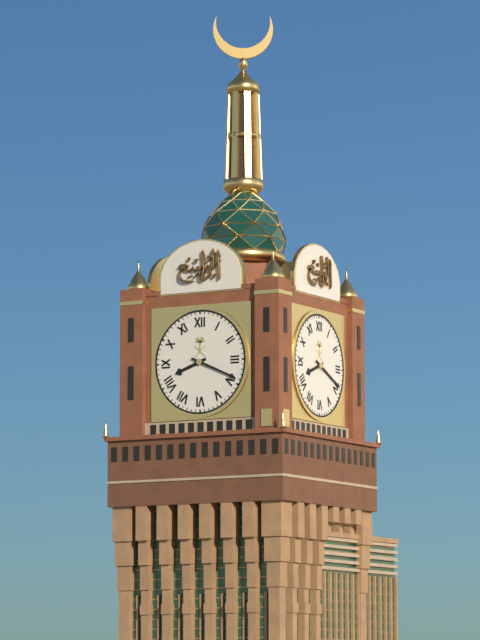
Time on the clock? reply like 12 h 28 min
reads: 8 h 19 min
